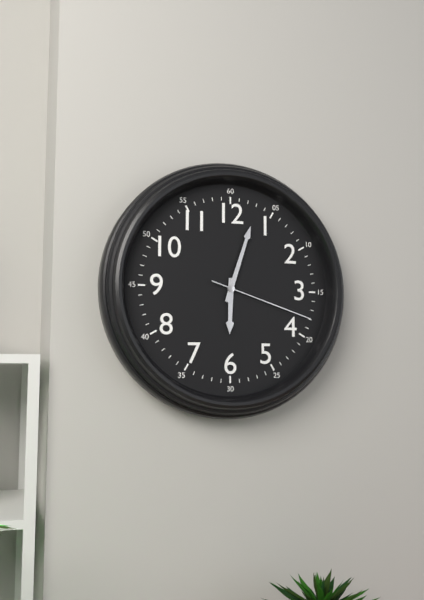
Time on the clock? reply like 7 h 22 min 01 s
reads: 6 h 03 min 18 s
